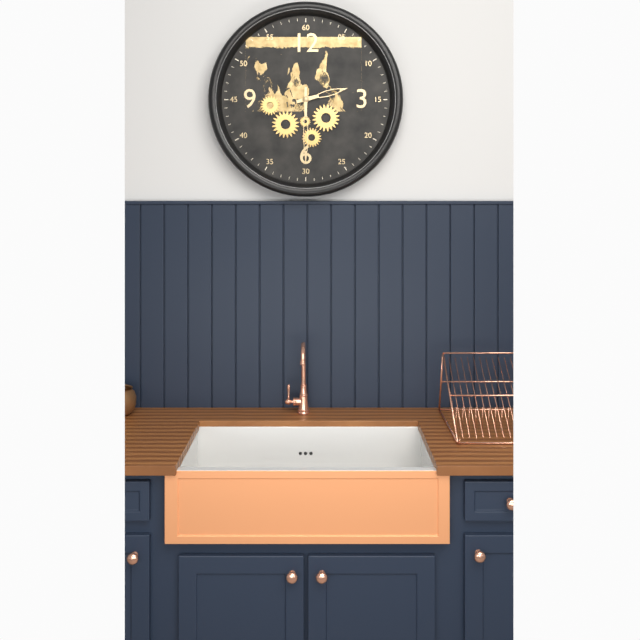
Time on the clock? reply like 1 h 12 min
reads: 2 h 30 min
